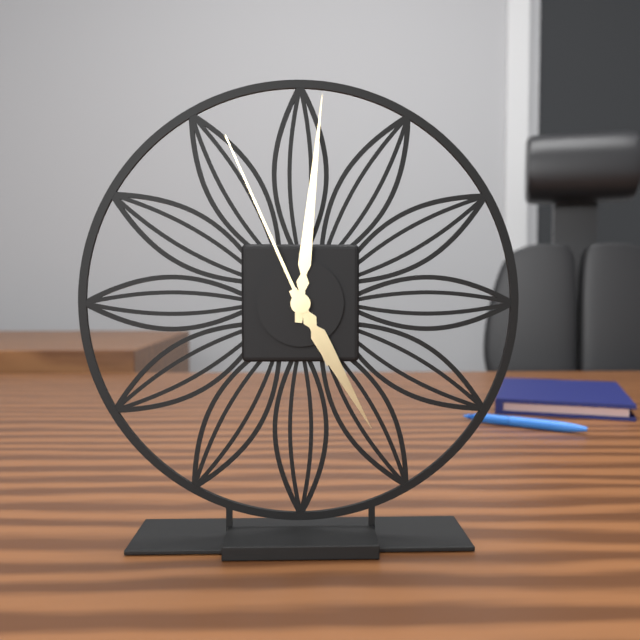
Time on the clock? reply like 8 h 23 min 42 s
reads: 5 h 01 min 56 s
